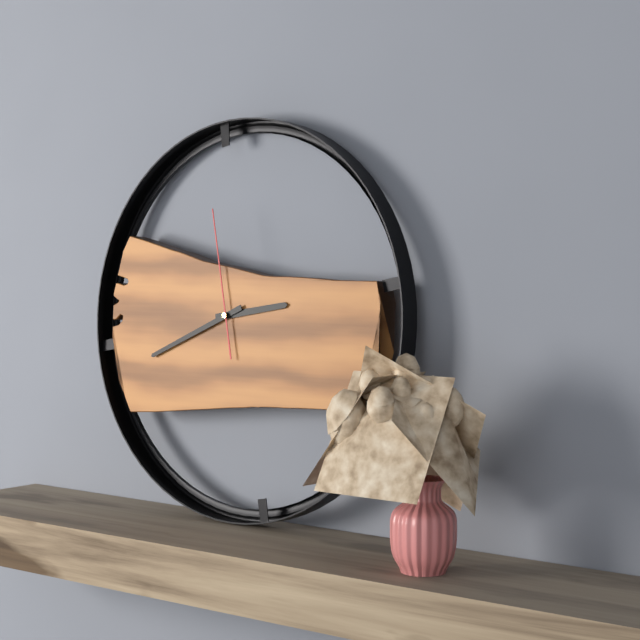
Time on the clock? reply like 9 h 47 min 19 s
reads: 2 h 41 min 58 s
